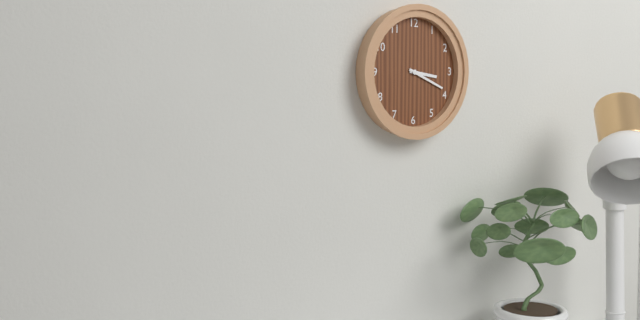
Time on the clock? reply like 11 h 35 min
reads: 3 h 19 min
